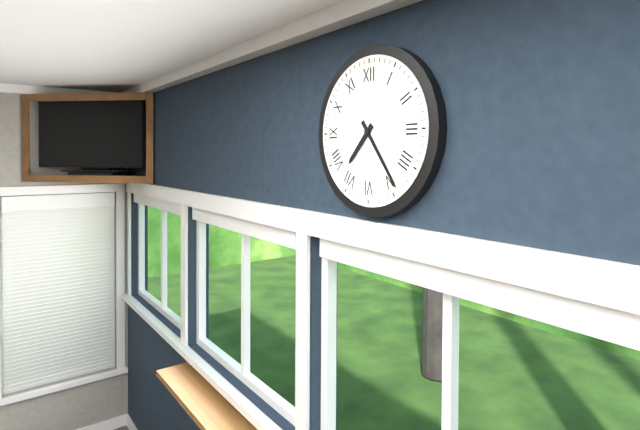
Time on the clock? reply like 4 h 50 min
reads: 7 h 24 min
